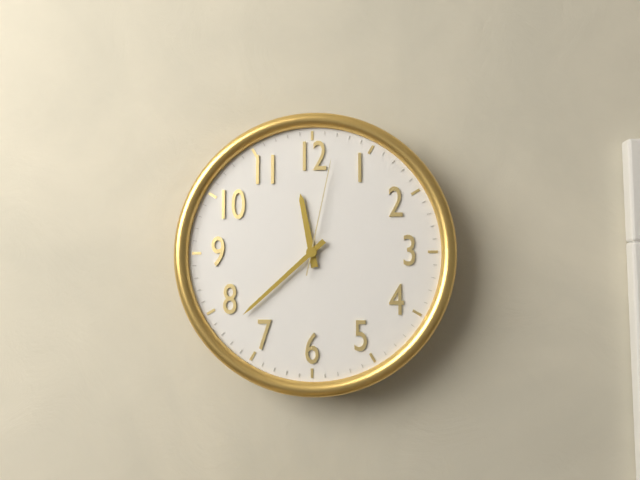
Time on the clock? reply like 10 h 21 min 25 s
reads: 11 h 38 min 02 s
